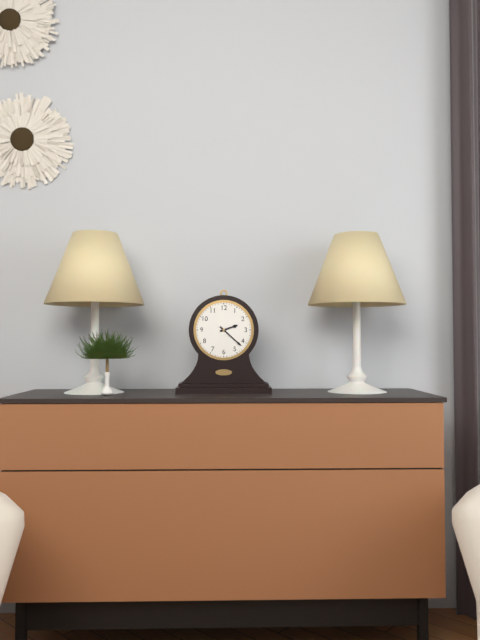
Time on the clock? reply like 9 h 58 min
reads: 2 h 22 min
